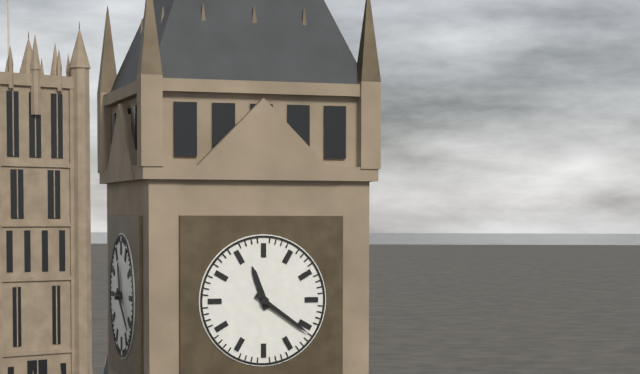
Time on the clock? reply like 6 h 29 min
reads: 11 h 21 min
